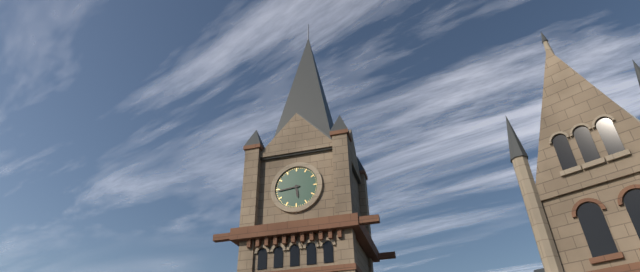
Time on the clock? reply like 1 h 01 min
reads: 5 h 44 min
